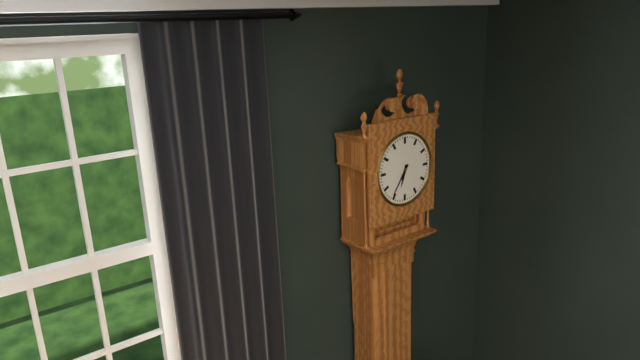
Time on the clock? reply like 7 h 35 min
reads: 6 h 36 min
